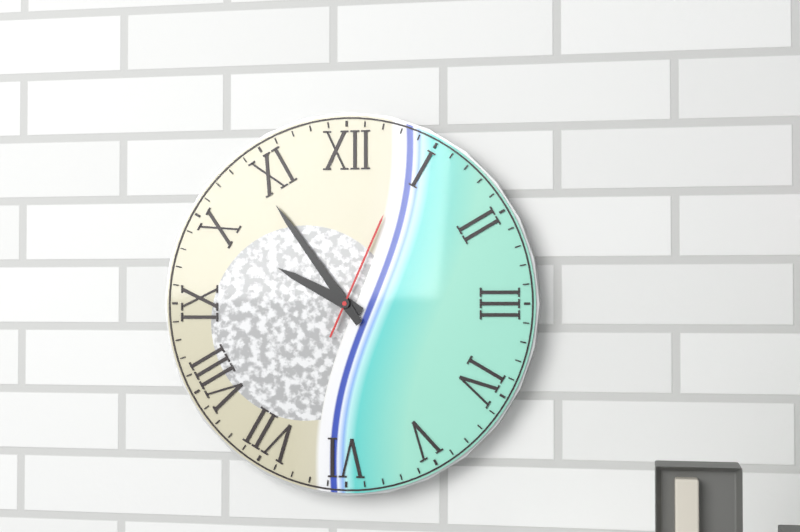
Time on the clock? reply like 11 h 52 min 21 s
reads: 9 h 54 min 04 s
